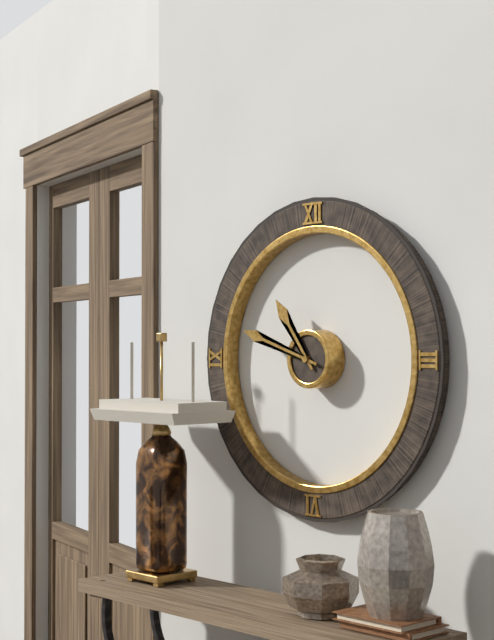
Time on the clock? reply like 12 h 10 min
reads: 10 h 48 min
